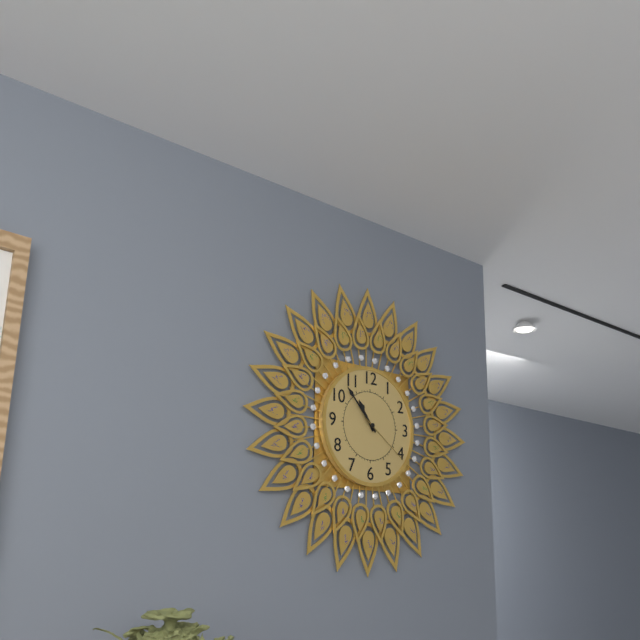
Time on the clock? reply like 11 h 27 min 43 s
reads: 10 h 53 min 21 s
